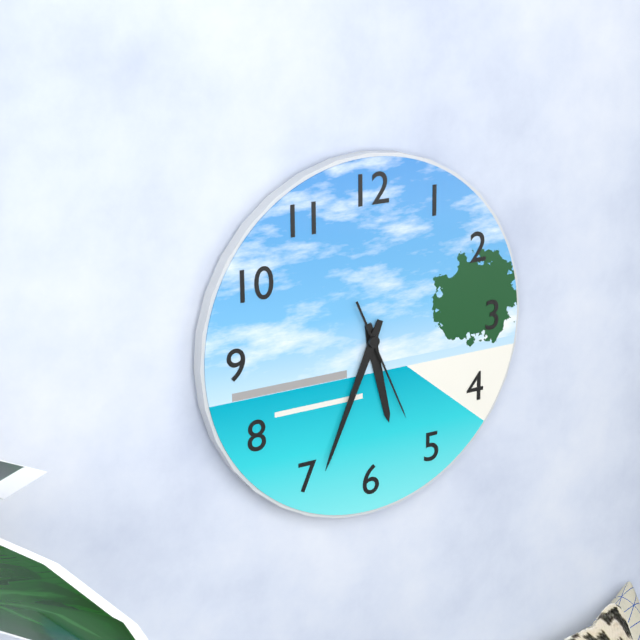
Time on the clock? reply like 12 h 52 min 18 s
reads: 5 h 34 min 26 s
